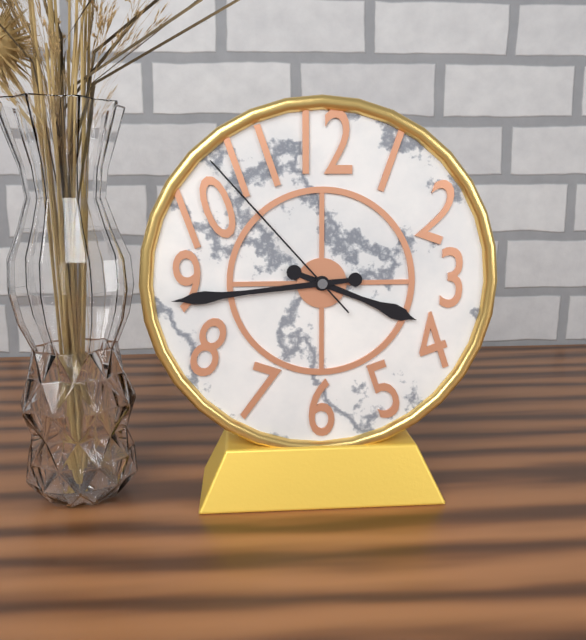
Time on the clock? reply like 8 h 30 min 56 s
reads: 3 h 44 min 53 s
